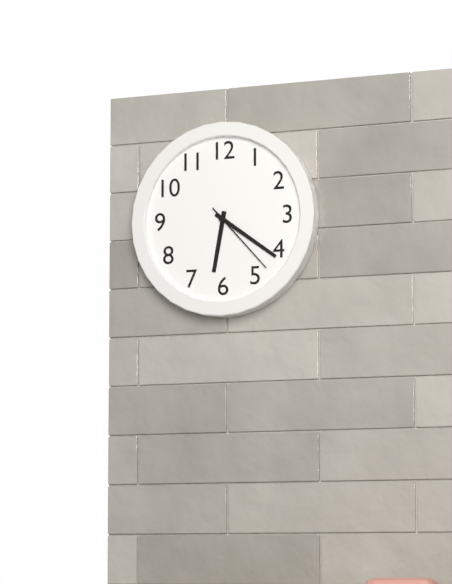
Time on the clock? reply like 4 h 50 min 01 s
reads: 6 h 21 min 23 s
